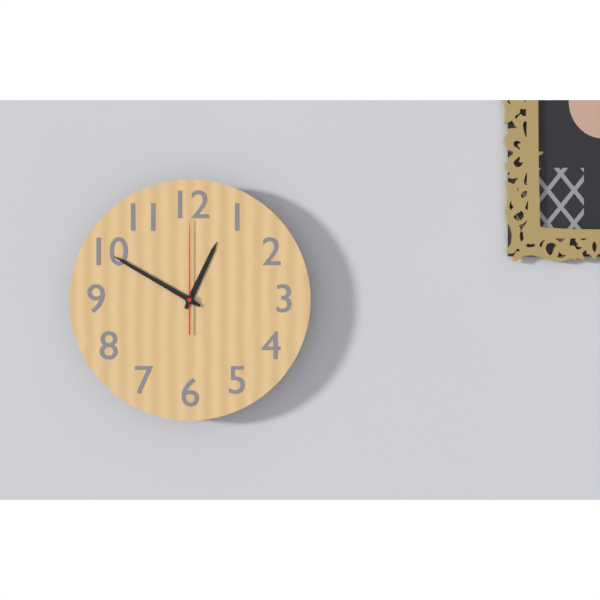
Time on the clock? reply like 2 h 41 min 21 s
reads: 12 h 50 min 00 s
